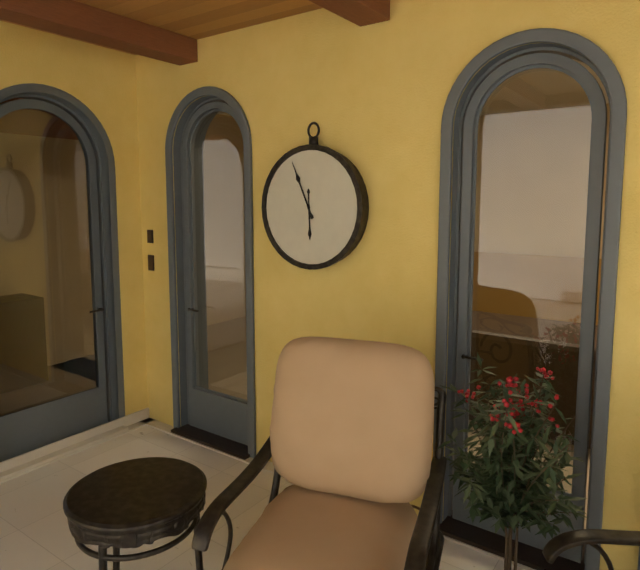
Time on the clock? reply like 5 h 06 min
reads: 5 h 56 min
